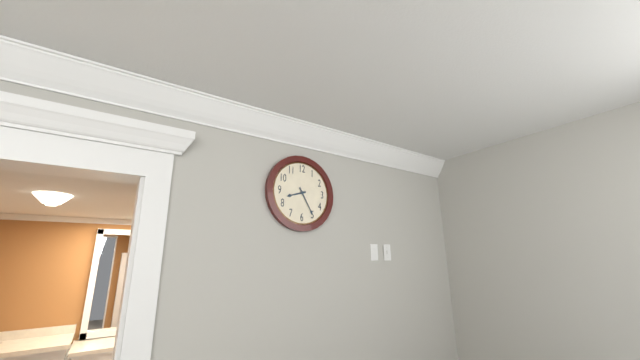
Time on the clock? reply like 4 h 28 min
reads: 8 h 25 min
